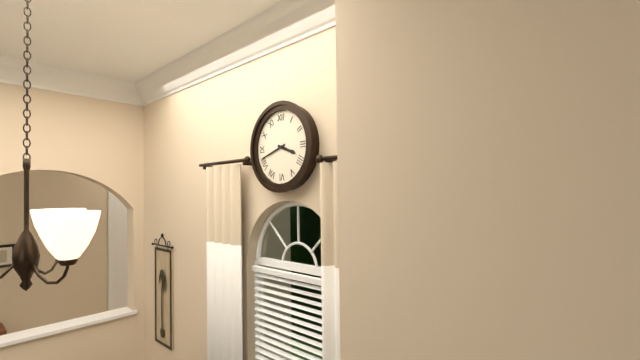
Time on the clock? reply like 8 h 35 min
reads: 3 h 42 min
